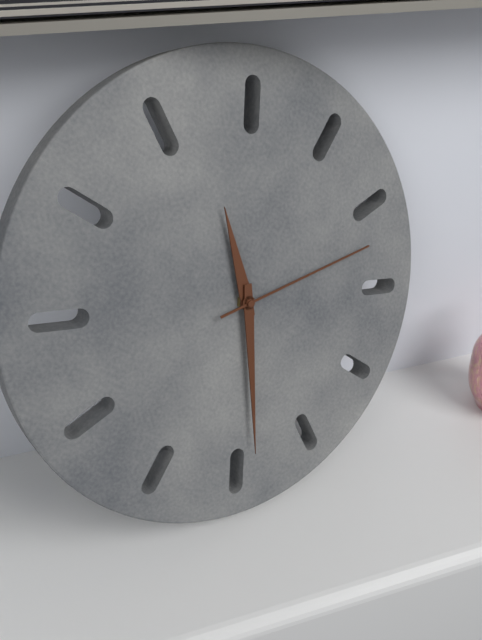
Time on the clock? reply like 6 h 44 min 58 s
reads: 10 h 24 min 07 s
